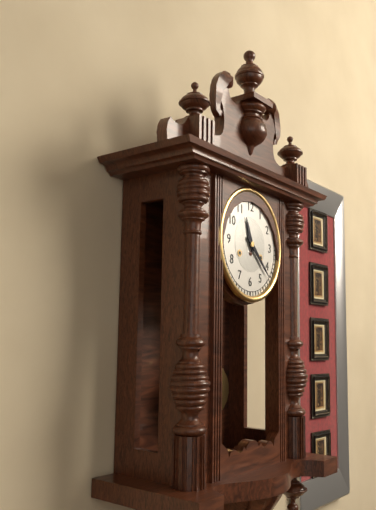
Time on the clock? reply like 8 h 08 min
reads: 11 h 22 min
